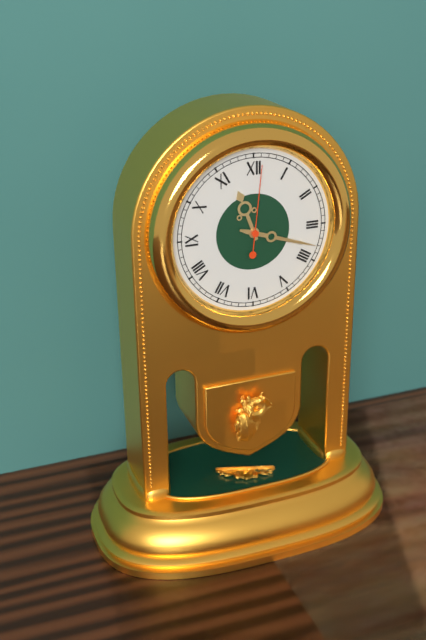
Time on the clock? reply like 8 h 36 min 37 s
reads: 11 h 18 min 01 s
